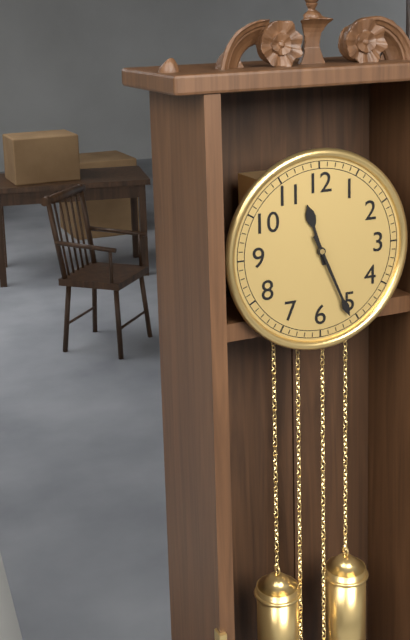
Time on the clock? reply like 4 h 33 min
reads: 11 h 26 min
